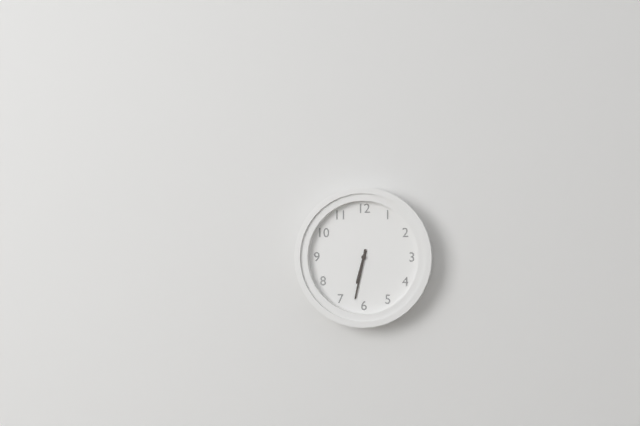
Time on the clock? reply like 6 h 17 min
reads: 6 h 32 min
